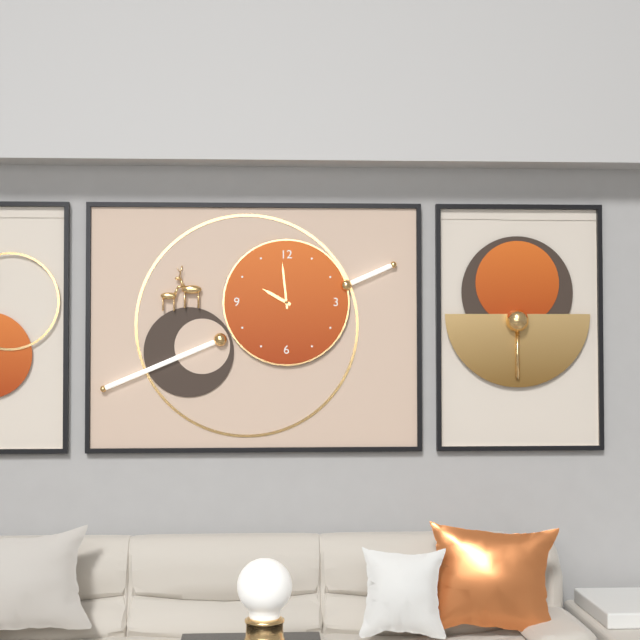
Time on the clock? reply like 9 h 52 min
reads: 9 h 59 min
